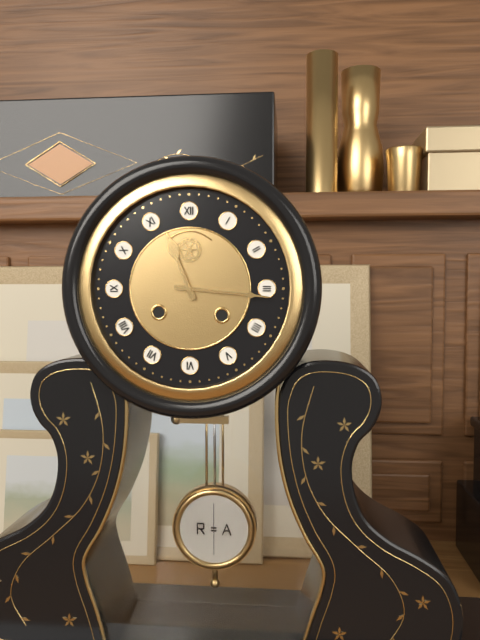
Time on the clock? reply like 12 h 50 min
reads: 11 h 16 min
